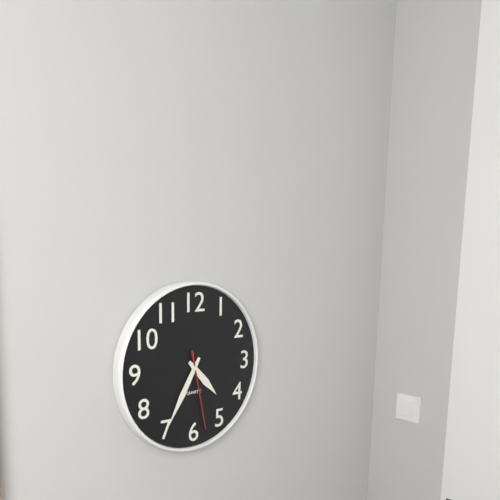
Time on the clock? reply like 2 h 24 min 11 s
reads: 4 h 35 min 28 s
